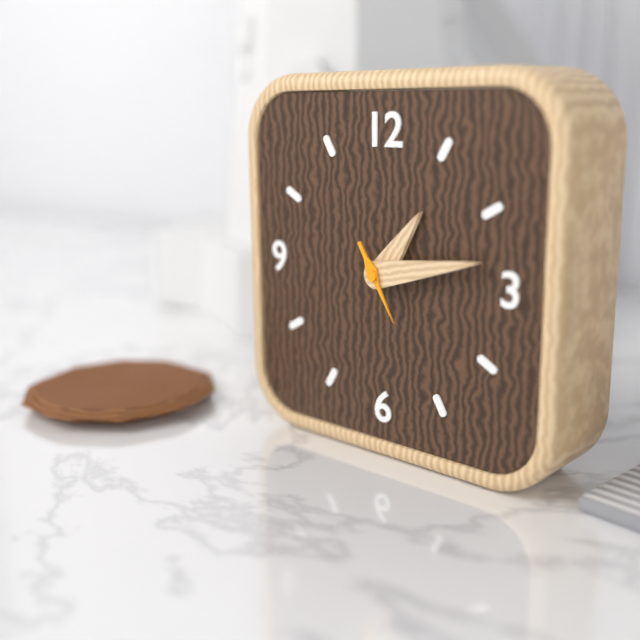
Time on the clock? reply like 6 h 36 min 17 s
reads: 1 h 13 min 25 s
